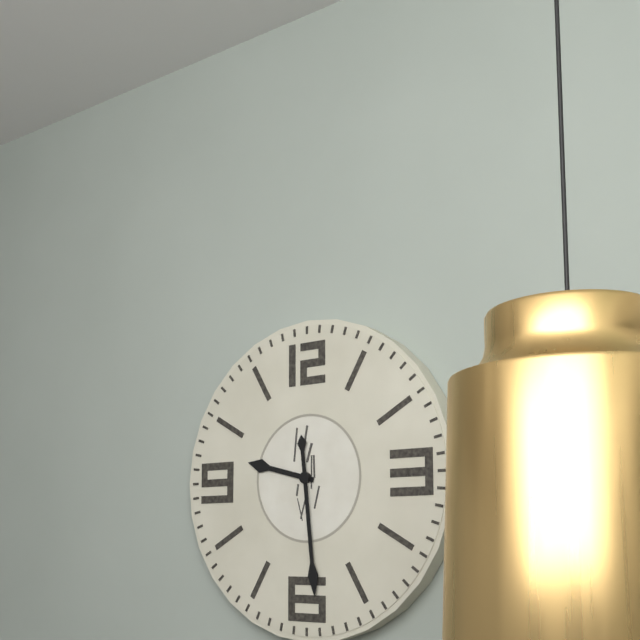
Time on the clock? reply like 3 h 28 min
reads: 9 h 29 min
